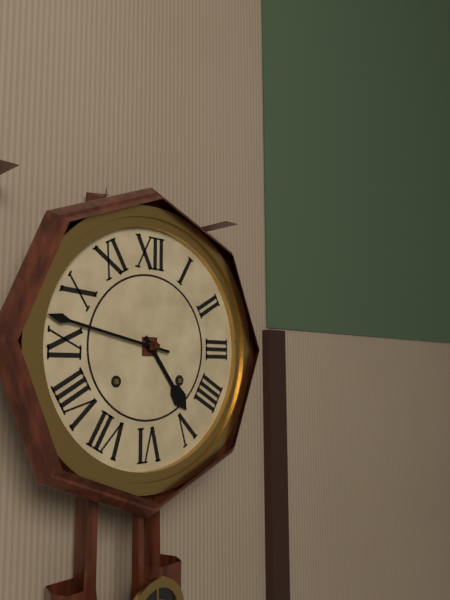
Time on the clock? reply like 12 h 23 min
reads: 4 h 47 min
